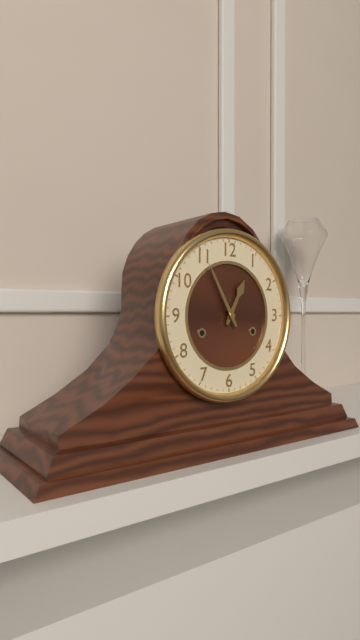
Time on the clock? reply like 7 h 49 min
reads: 12 h 55 min
